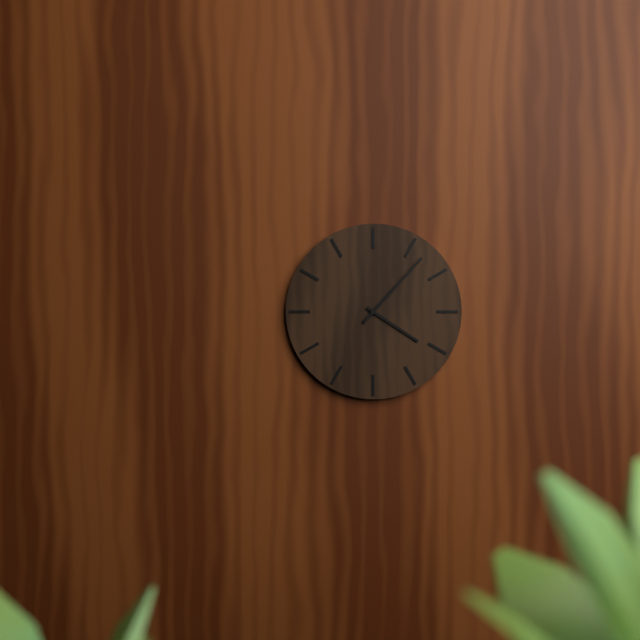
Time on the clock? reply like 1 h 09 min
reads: 4 h 07 min
